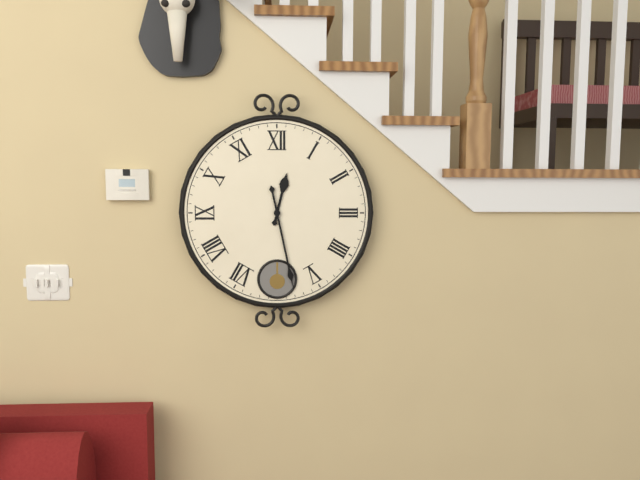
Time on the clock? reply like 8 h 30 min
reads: 12 h 28 min
